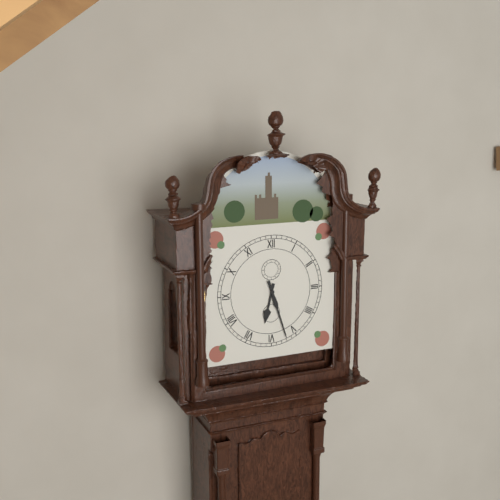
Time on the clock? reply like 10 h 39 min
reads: 6 h 27 min
